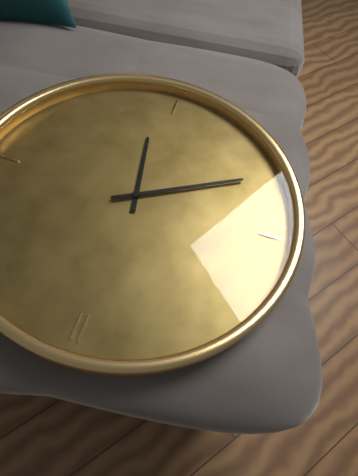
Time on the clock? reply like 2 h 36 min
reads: 5 h 40 min
